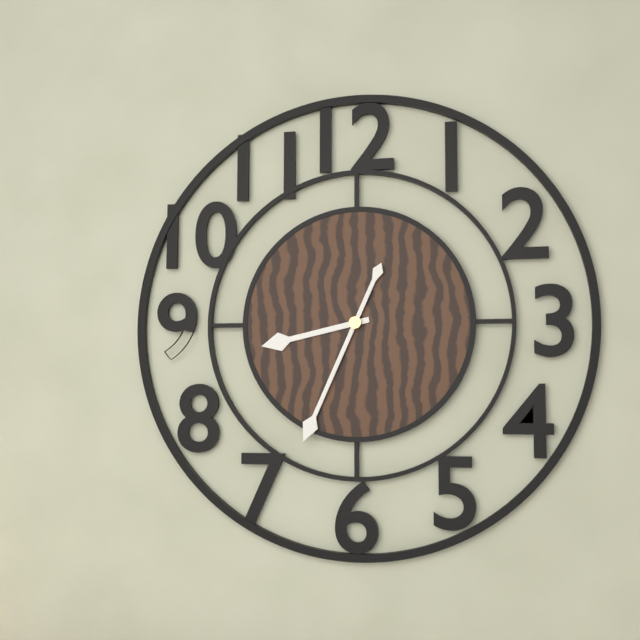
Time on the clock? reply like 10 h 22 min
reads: 8 h 34 min
